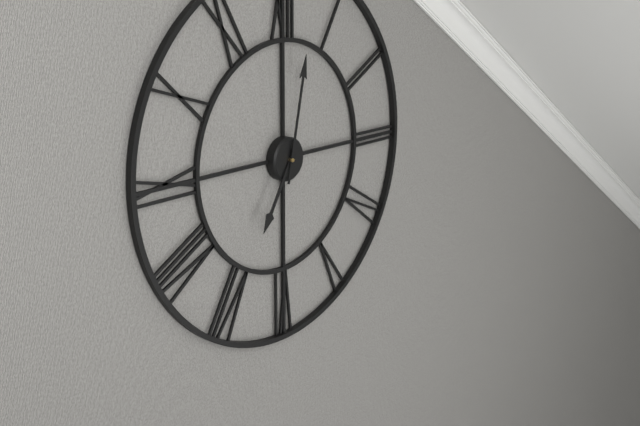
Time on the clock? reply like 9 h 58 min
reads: 7 h 02 min
